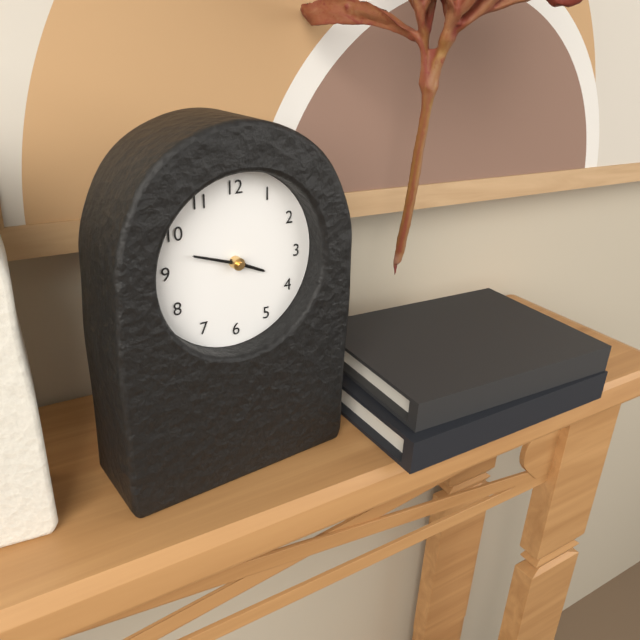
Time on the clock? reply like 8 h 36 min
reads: 3 h 48 min
